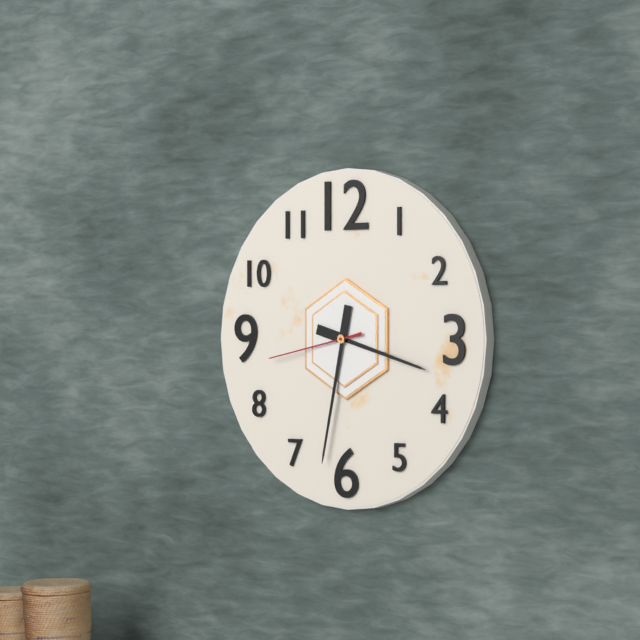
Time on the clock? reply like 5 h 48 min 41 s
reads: 3 h 32 min 43 s
